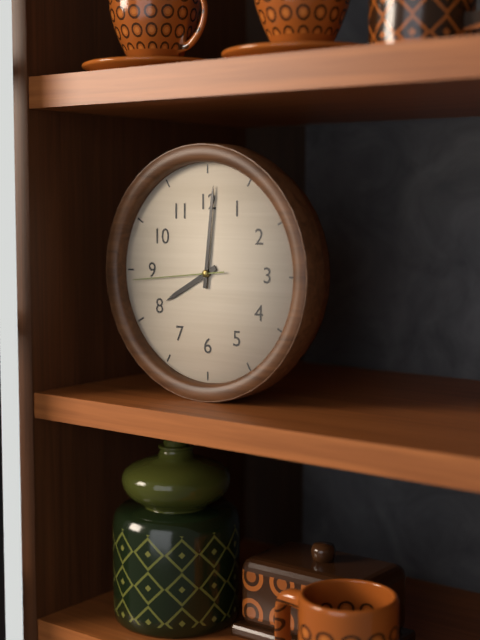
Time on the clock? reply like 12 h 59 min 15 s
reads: 8 h 01 min 44 s
